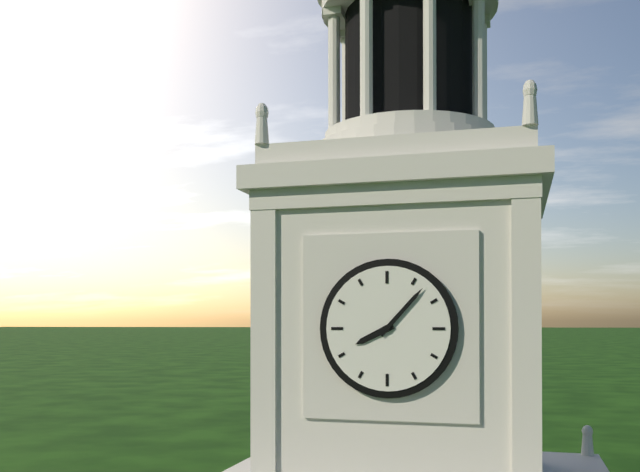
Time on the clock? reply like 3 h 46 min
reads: 8 h 07 min
